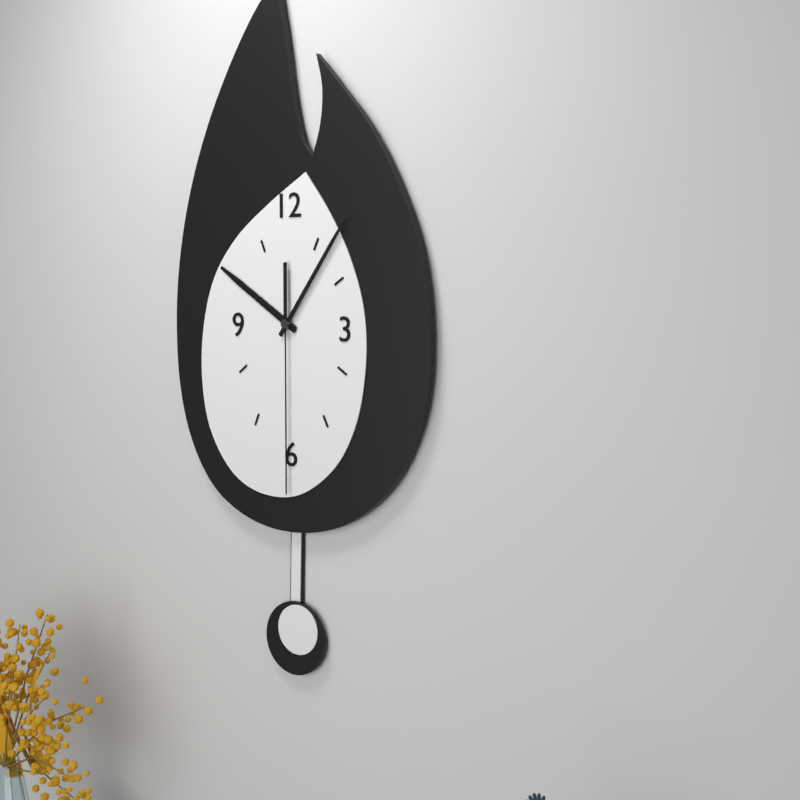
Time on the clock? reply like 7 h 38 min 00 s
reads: 10 h 06 min 30 s
